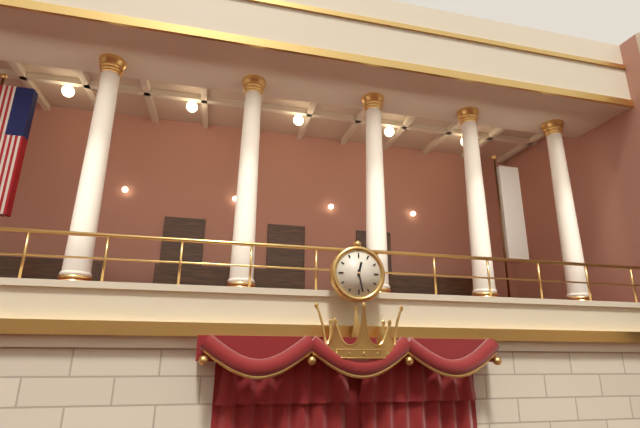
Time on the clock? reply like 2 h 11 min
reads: 12 h 28 min
